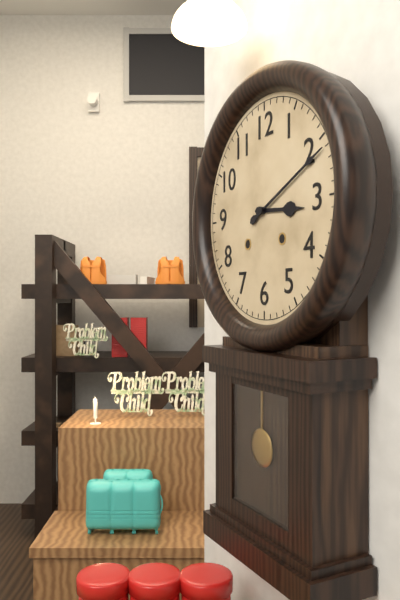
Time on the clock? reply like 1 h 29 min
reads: 3 h 11 min
